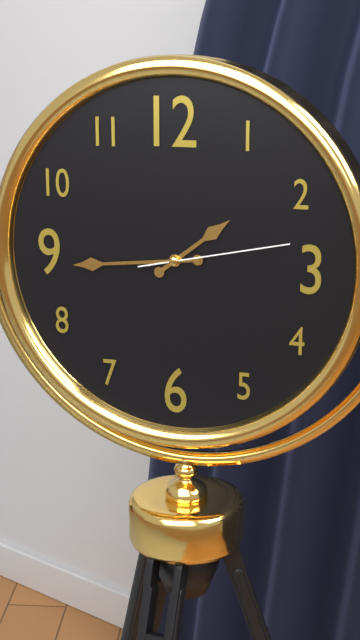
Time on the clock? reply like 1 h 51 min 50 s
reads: 1 h 44 min 13 s
